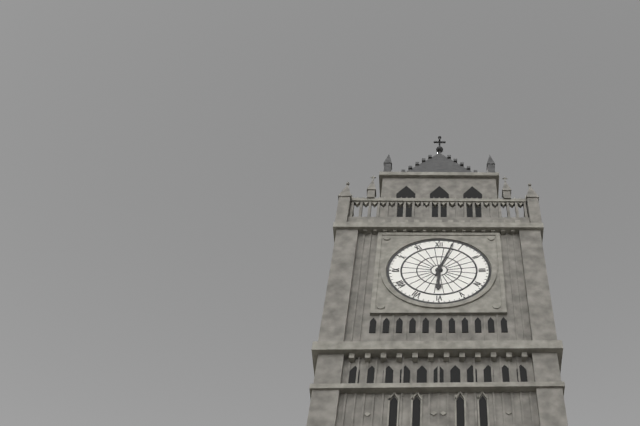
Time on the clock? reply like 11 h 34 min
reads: 6 h 03 min
